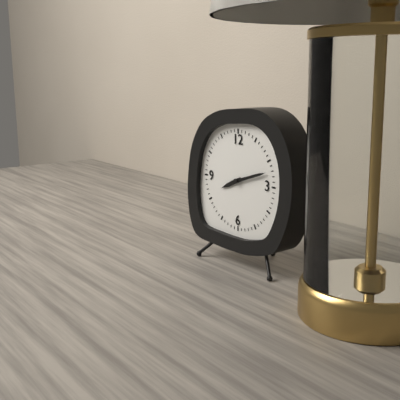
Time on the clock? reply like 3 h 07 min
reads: 8 h 12 min
